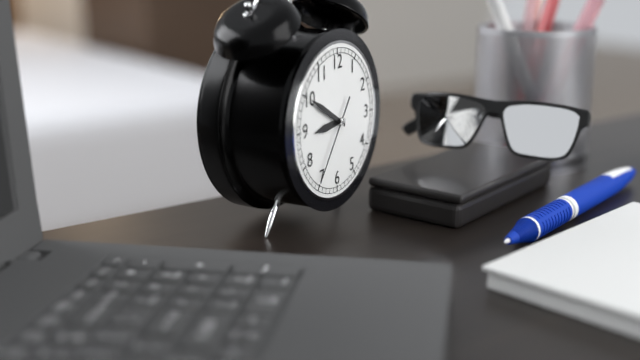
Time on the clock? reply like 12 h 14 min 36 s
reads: 8 h 50 min 36 s
